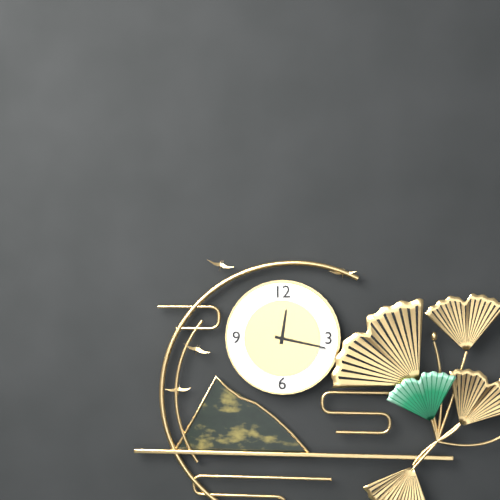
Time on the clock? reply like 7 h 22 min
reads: 12 h 17 min
